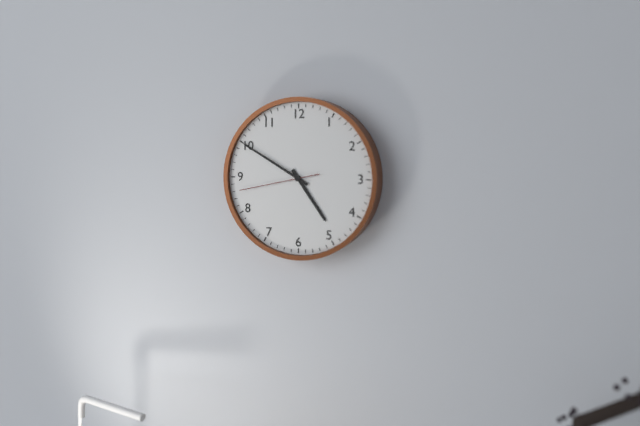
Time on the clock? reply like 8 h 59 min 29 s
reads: 4 h 50 min 43 s
